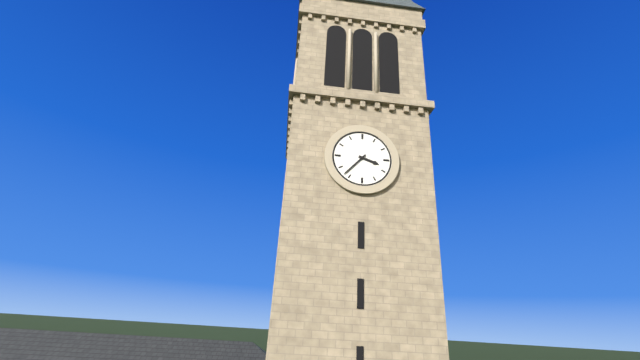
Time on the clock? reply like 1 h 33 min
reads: 3 h 37 min
